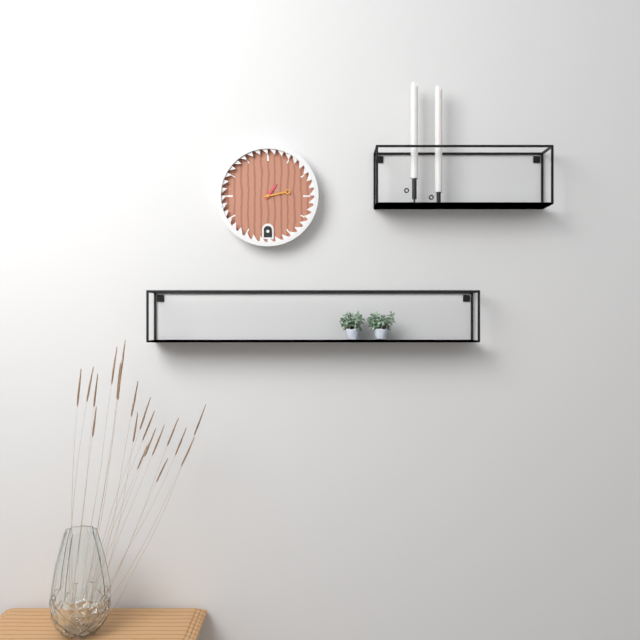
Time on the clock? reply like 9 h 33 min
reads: 1 h 13 min
